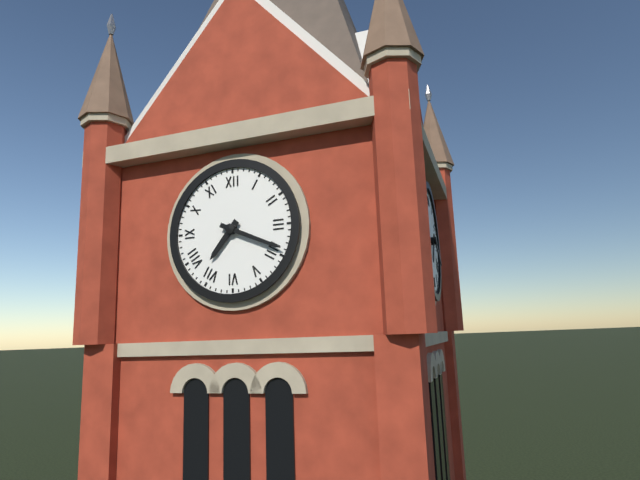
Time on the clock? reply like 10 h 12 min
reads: 7 h 19 min
